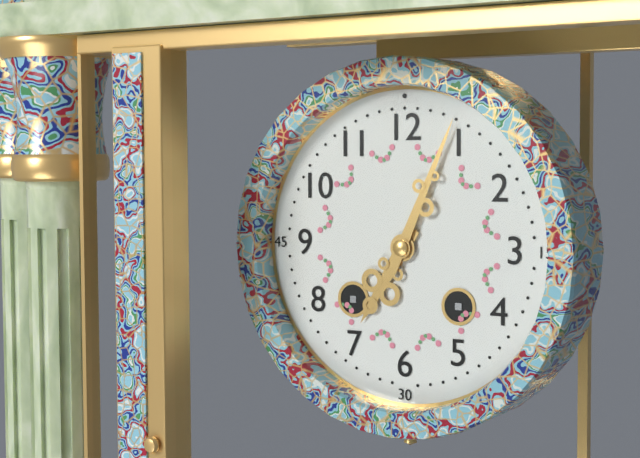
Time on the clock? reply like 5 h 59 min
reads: 7 h 04 min
